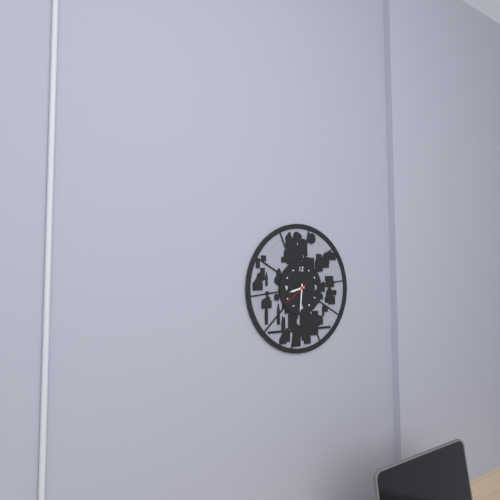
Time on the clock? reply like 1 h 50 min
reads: 8 h 31 min
